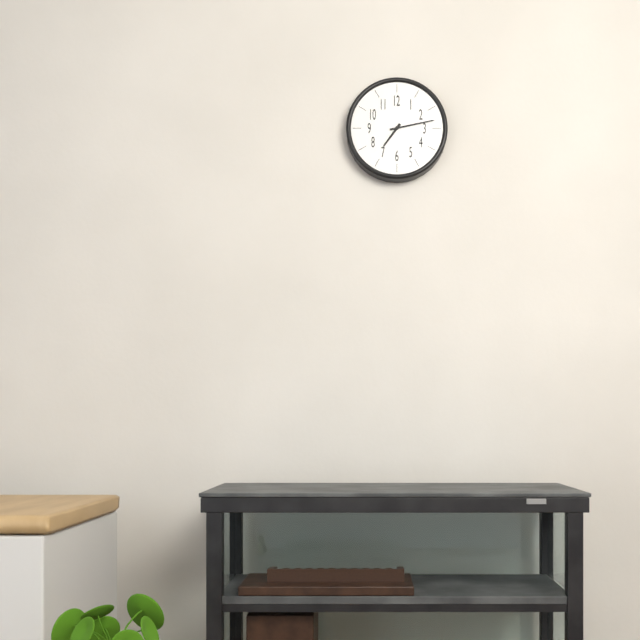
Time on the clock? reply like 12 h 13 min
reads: 7 h 13 min
